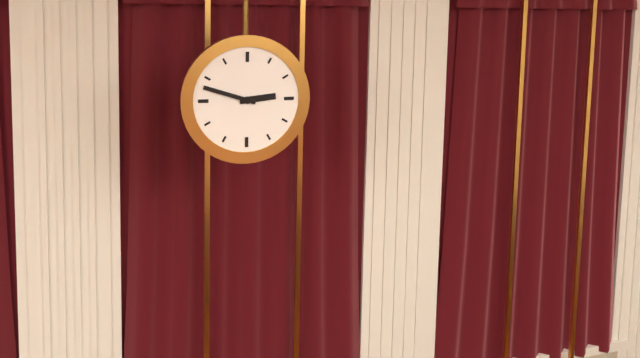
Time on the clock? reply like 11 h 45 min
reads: 2 h 48 min
